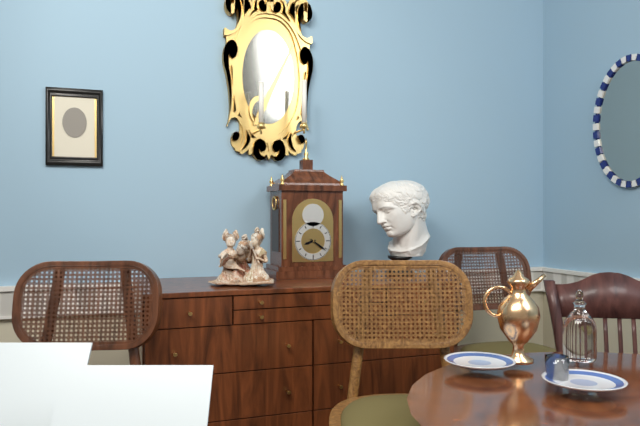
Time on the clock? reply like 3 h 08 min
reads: 8 h 21 min
